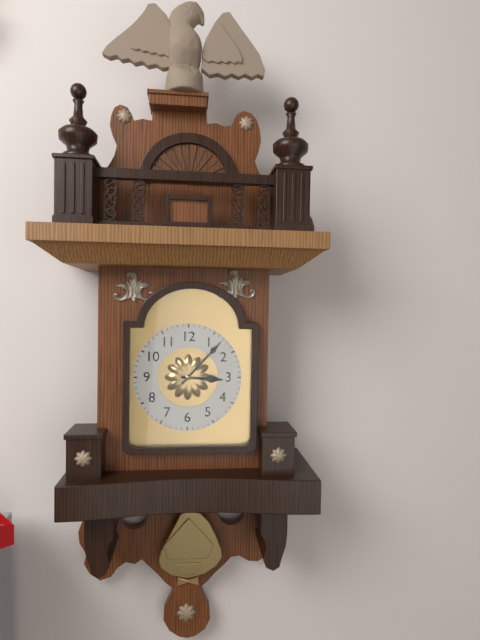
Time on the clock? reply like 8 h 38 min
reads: 3 h 07 min
